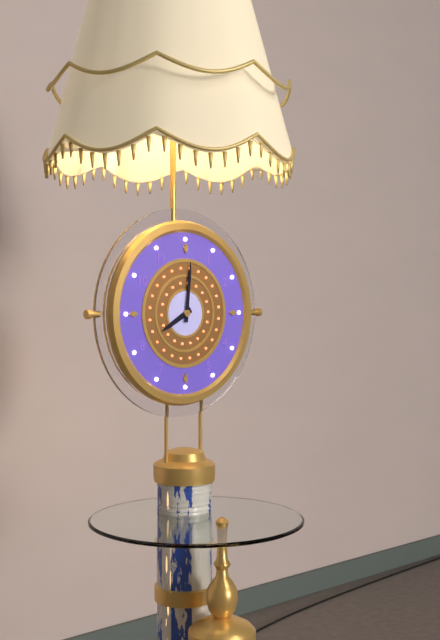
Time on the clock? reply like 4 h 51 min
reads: 8 h 01 min
